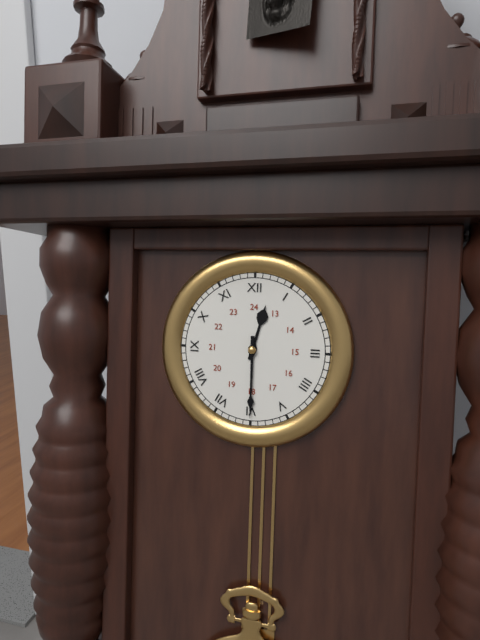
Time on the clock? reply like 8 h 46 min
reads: 12 h 30 min
